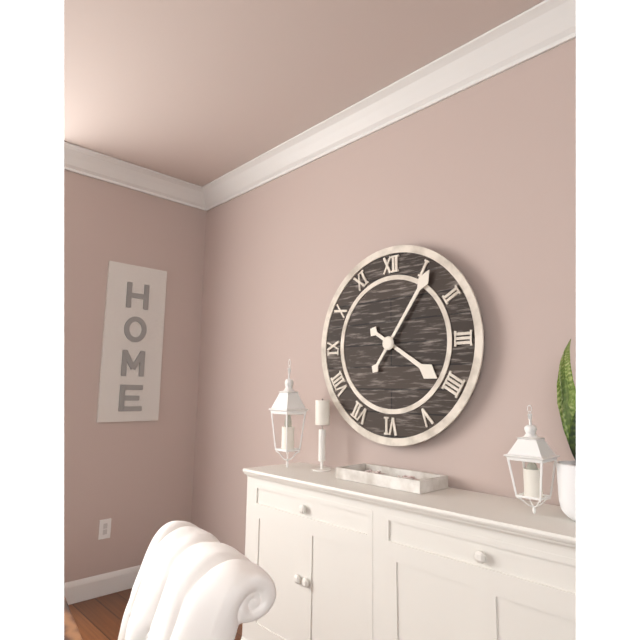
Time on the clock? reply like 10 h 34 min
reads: 4 h 06 min
